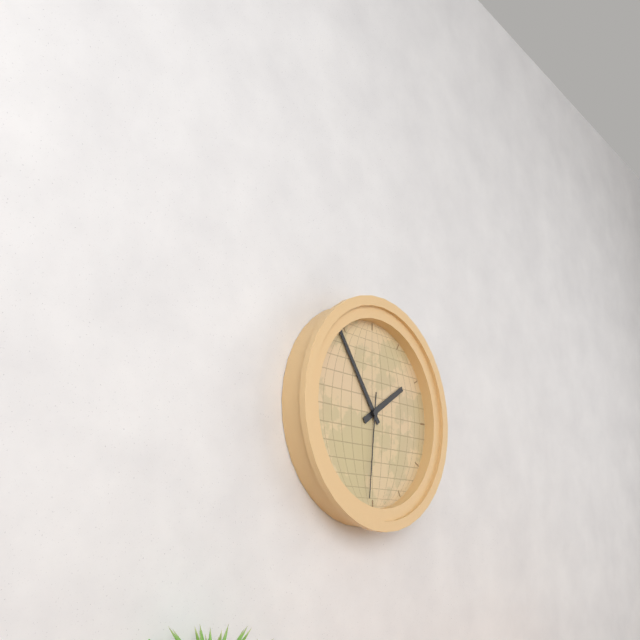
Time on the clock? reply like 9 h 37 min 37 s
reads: 1 h 54 min 31 s
